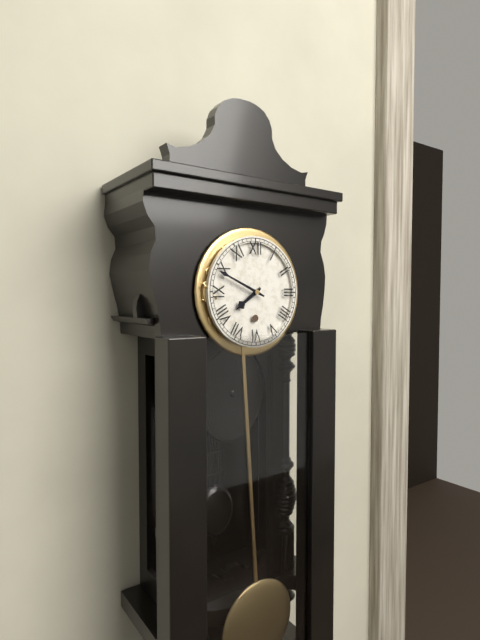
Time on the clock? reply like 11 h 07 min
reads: 7 h 49 min
